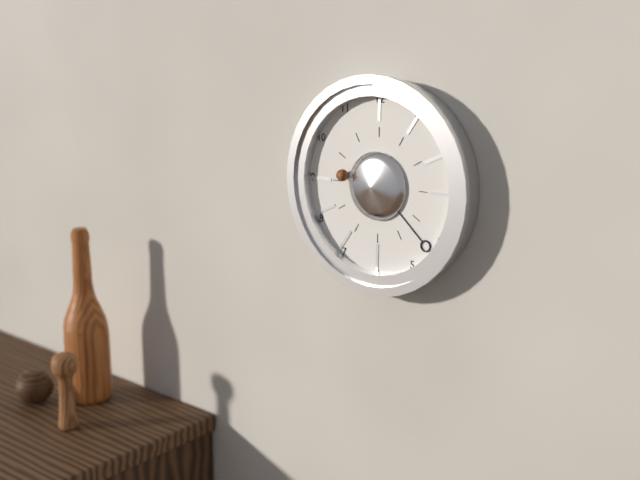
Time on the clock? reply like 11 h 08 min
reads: 9 h 22 min
